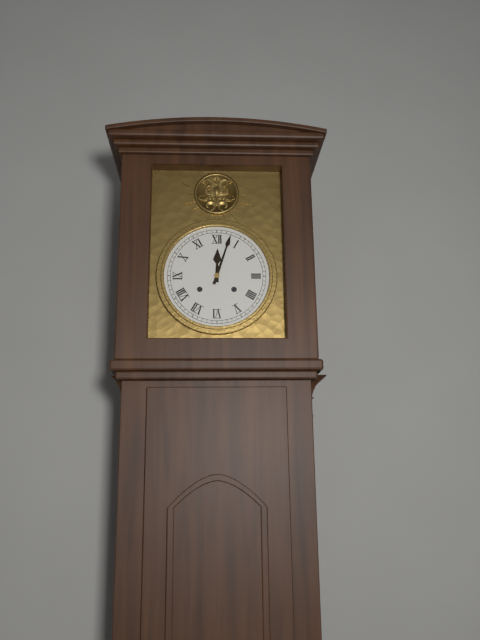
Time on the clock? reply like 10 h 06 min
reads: 12 h 03 min
